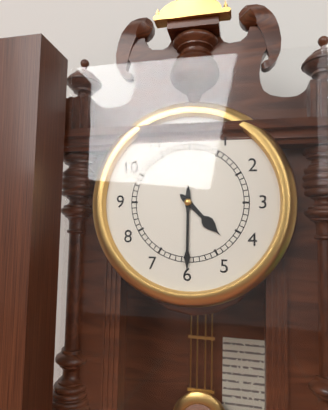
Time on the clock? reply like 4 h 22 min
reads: 4 h 30 min
